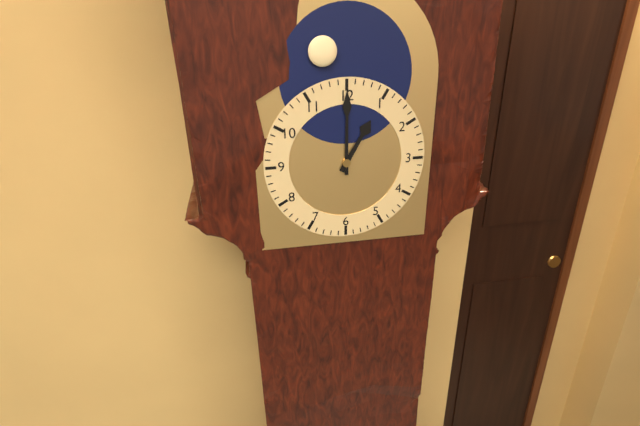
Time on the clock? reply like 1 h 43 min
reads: 1 h 00 min
